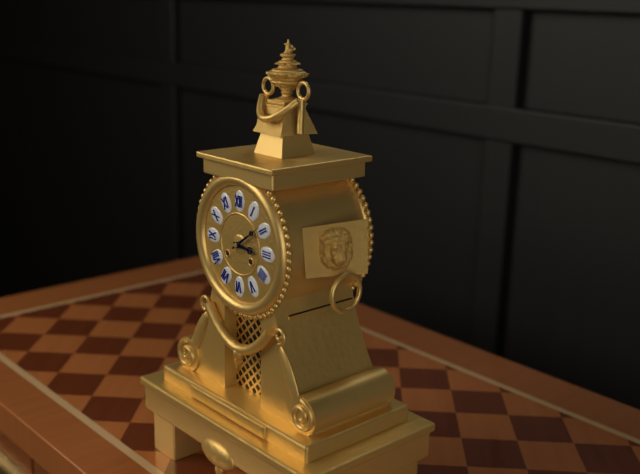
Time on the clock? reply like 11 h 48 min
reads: 3 h 09 min
